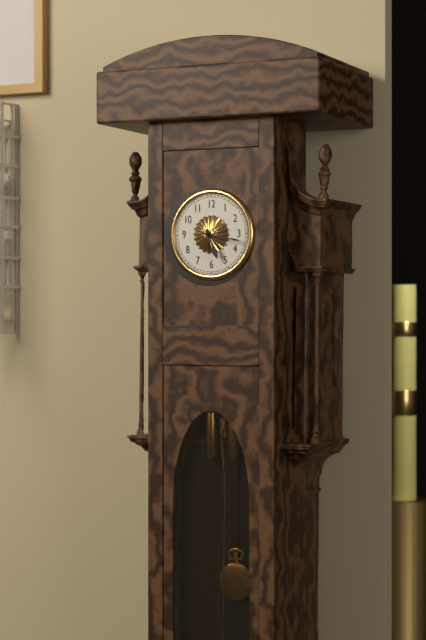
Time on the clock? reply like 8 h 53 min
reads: 5 h 17 min
